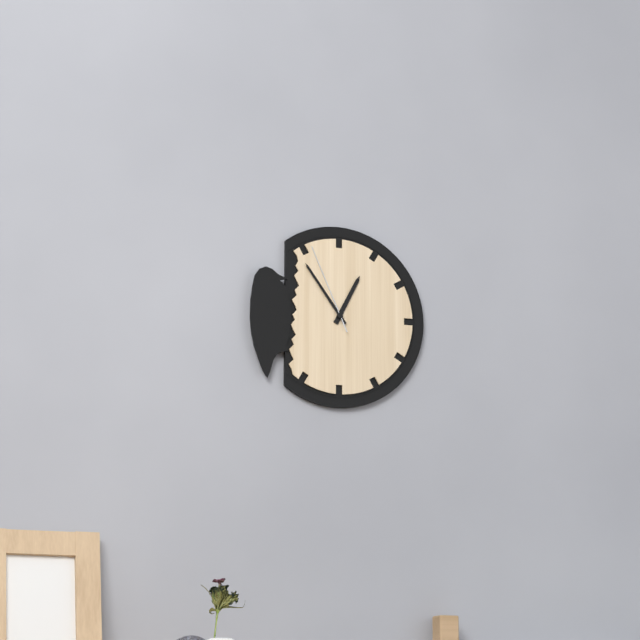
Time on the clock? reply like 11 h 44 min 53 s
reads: 12 h 54 min 56 s
